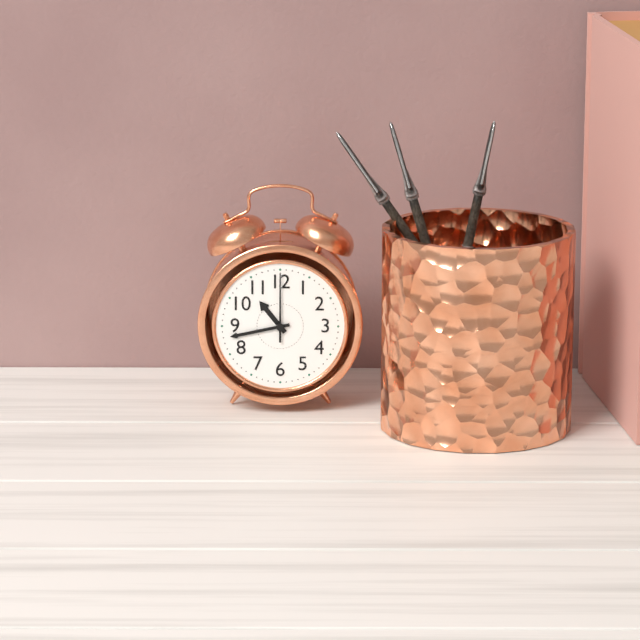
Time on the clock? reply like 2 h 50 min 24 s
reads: 10 h 43 min 00 s
